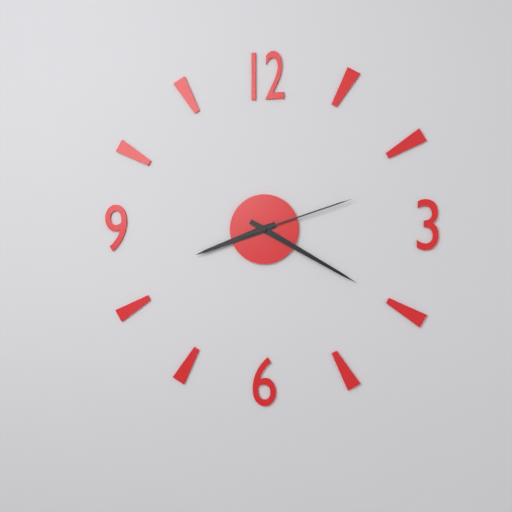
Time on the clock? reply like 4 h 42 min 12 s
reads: 8 h 20 min 12 s
